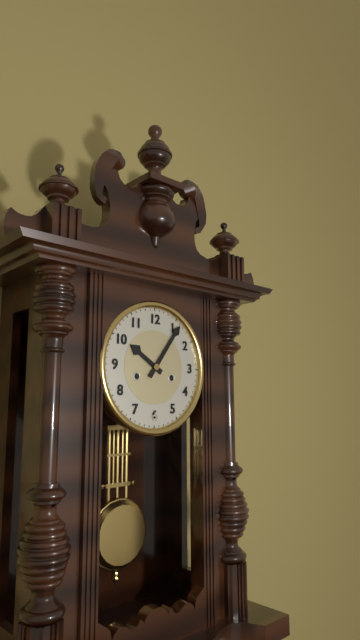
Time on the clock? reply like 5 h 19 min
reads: 10 h 06 min
